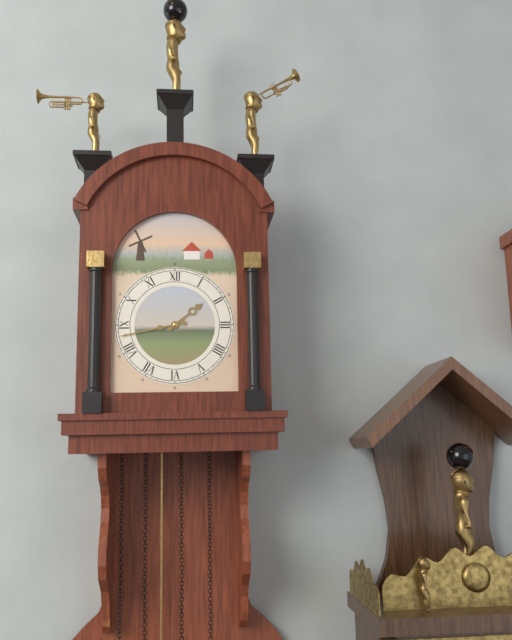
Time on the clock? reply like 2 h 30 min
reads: 1 h 43 min
